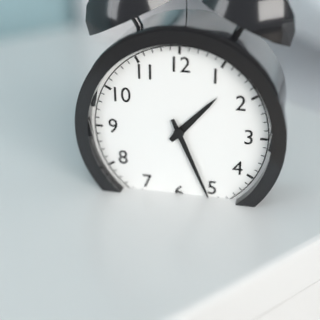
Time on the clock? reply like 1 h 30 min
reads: 1 h 26 min
